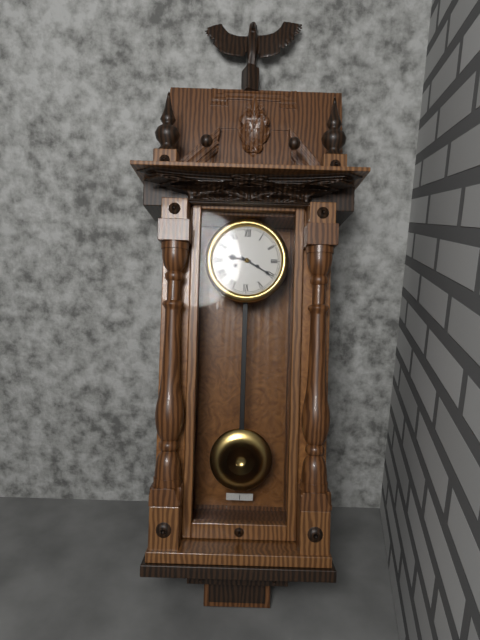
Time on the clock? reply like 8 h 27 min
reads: 9 h 20 min
